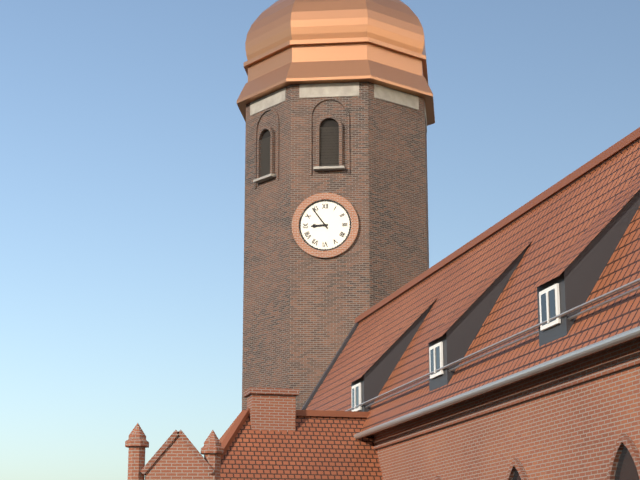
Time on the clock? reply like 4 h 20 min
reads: 8 h 54 min
